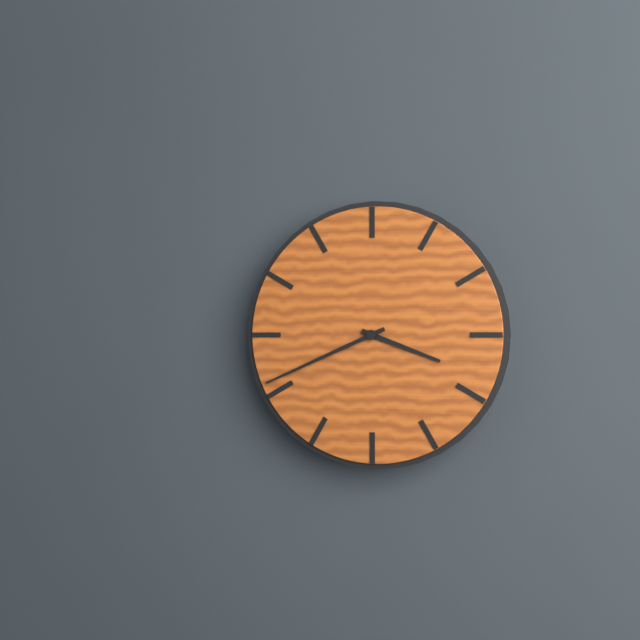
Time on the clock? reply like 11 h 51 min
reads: 3 h 41 min
